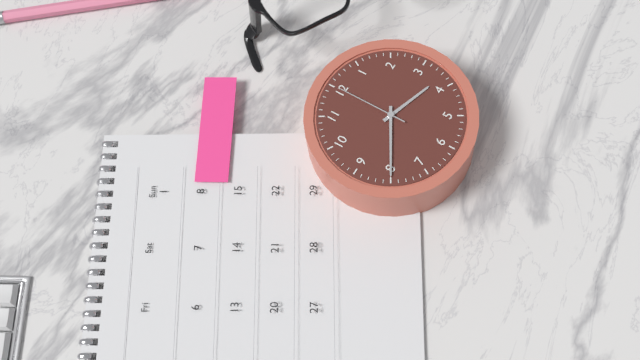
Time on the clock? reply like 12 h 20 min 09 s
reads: 3 h 40 min 00 s
